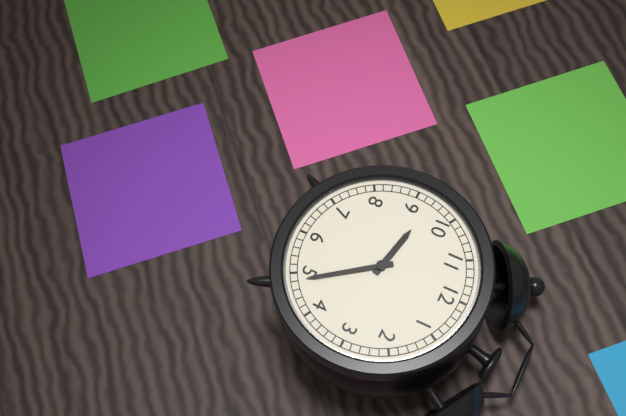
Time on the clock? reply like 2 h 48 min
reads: 9 h 24 min
